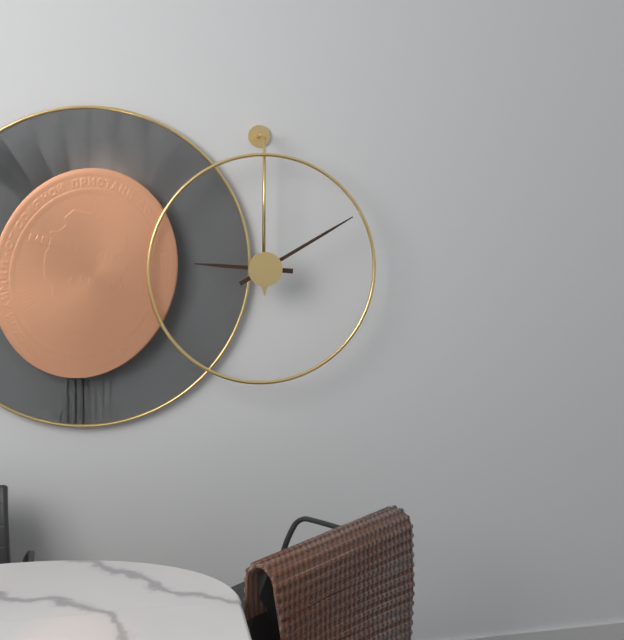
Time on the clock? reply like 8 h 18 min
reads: 9 h 10 min
